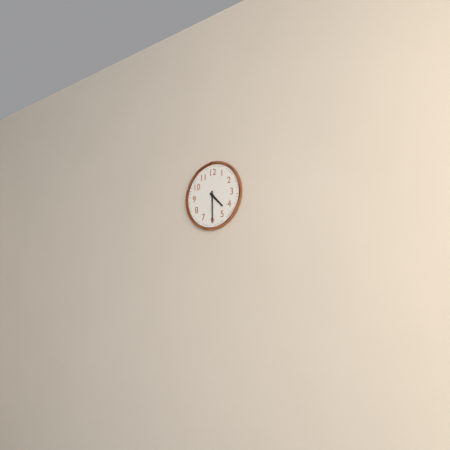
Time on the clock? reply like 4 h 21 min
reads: 4 h 30 min
